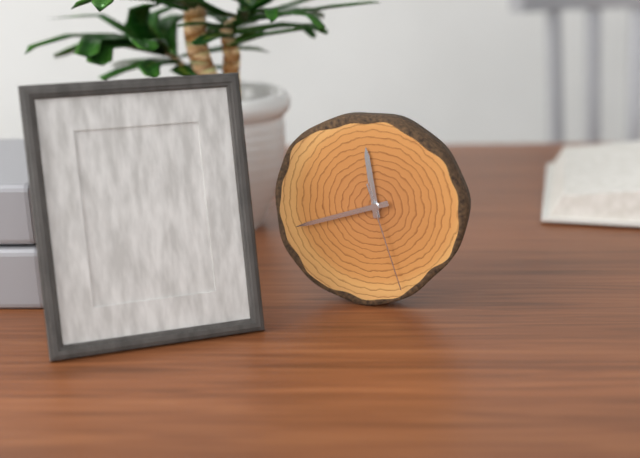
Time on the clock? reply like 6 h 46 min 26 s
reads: 11 h 42 min 27 s
